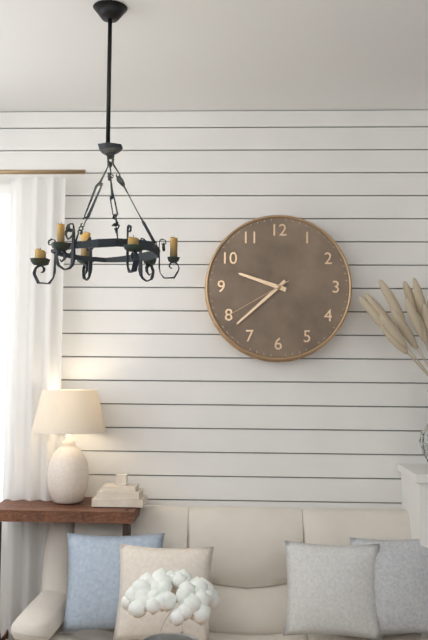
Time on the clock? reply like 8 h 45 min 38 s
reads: 9 h 38 min 40 s
